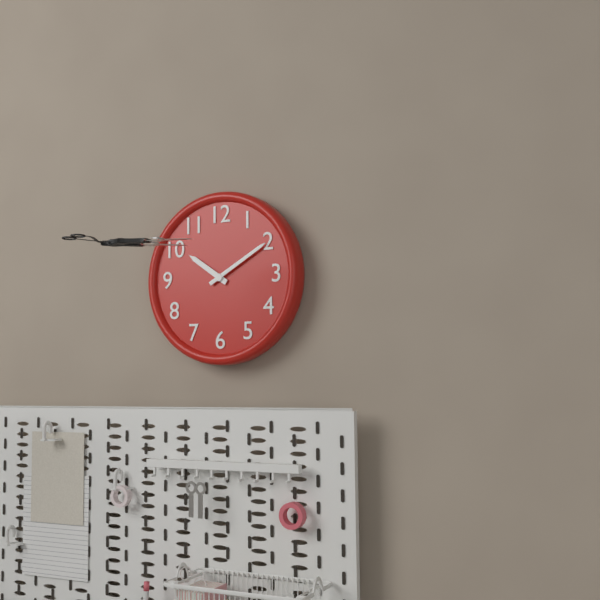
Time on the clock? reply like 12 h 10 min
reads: 10 h 10 min
